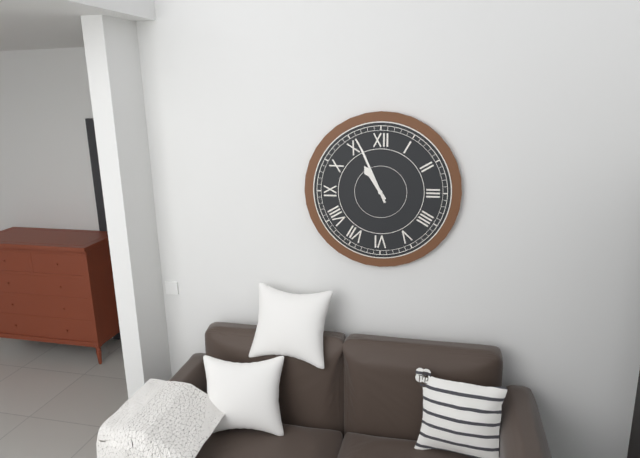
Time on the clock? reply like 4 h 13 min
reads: 10 h 56 min
